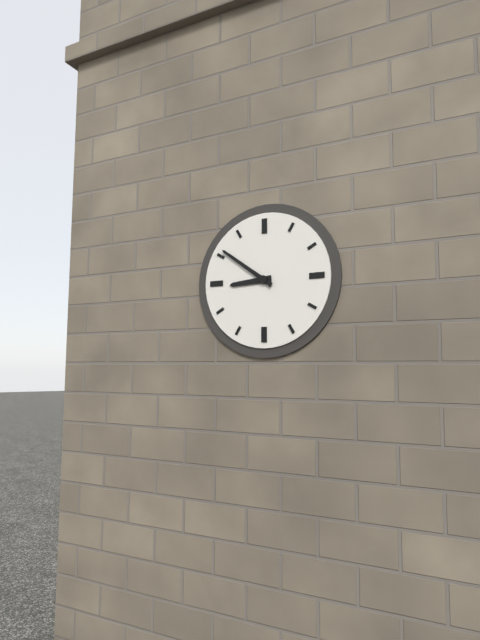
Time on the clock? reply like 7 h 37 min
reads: 8 h 51 min
